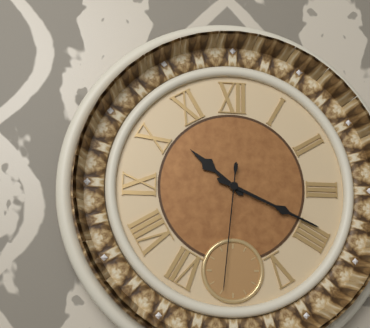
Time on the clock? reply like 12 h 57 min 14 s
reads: 10 h 19 min 31 s
